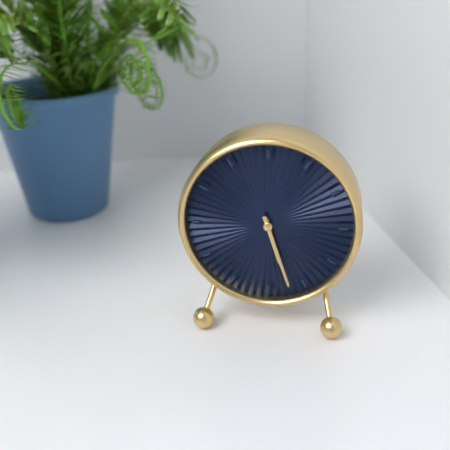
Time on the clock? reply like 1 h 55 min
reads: 5 h 27 min
